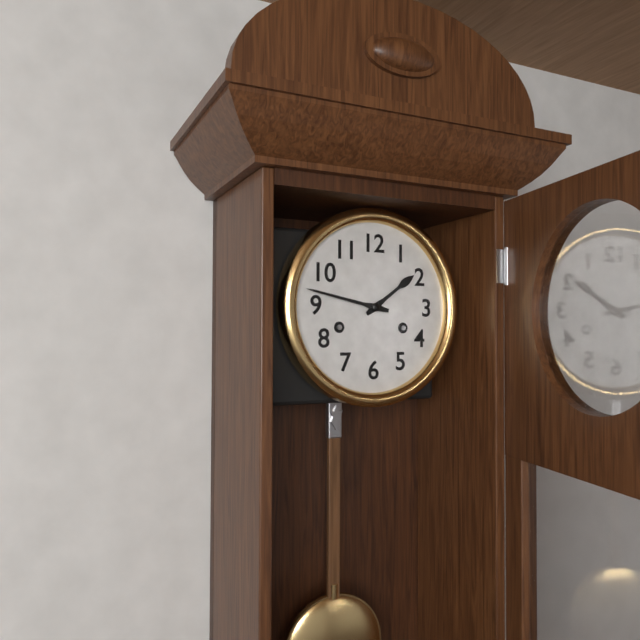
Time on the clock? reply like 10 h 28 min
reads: 1 h 47 min
